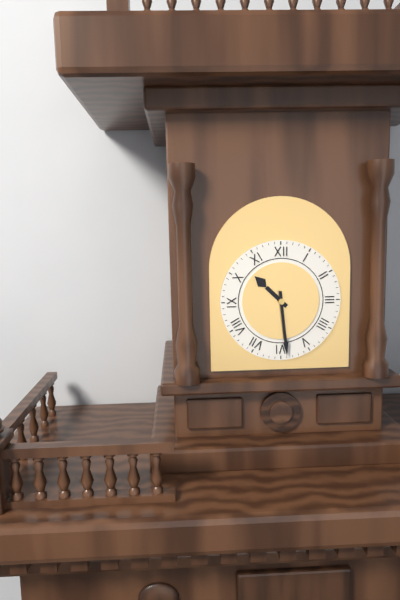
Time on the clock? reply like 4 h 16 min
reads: 10 h 29 min
